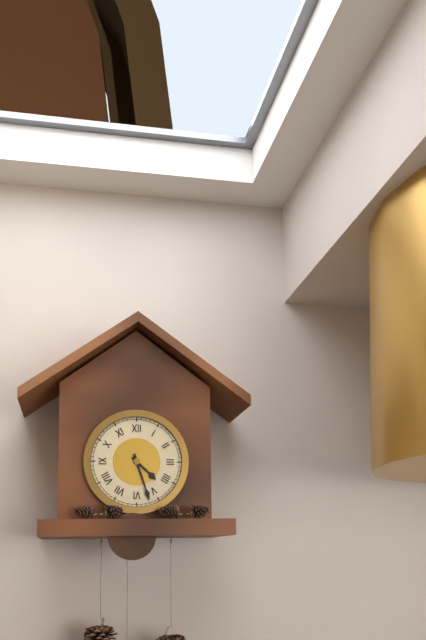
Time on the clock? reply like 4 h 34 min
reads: 4 h 27 min
